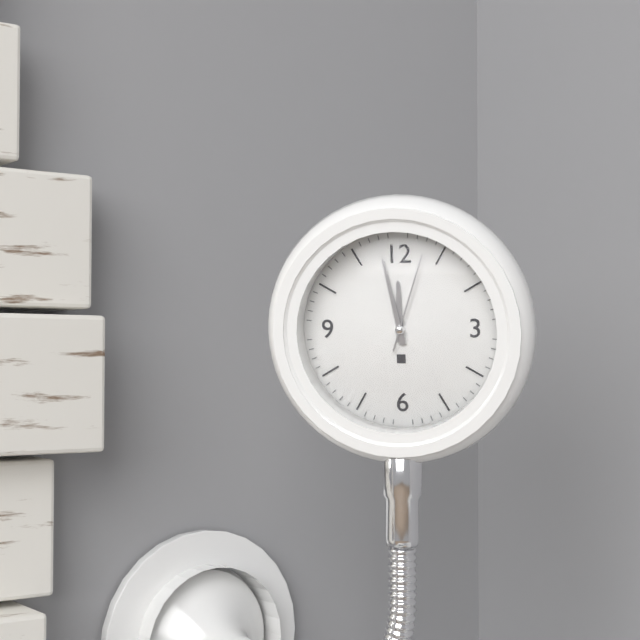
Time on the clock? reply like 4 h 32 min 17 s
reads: 11 h 58 min 03 s
